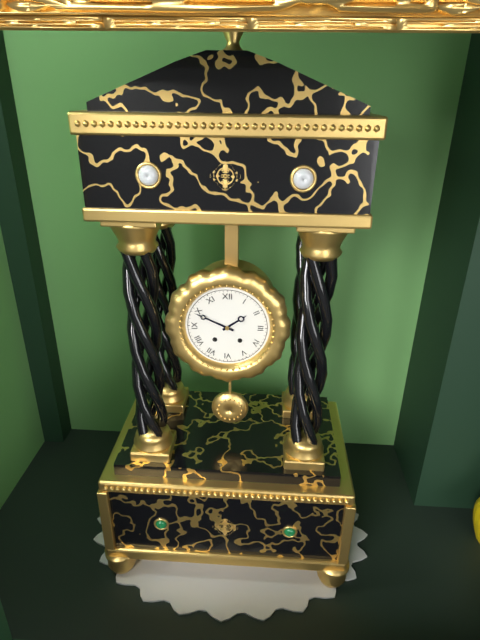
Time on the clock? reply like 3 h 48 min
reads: 1 h 49 min
